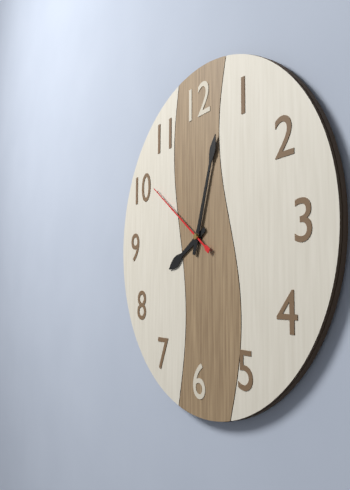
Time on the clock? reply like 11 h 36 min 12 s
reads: 8 h 03 min 51 s
